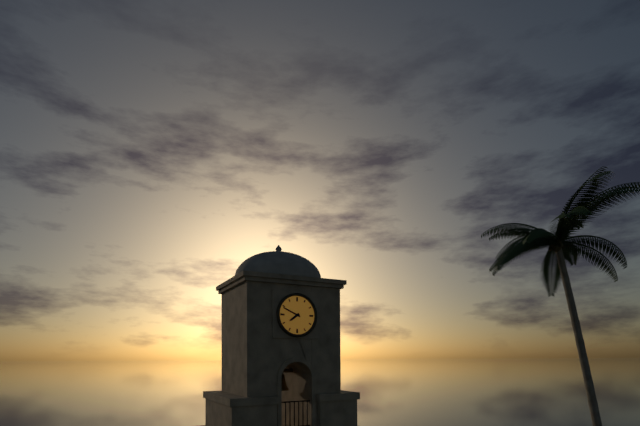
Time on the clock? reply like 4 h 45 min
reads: 7 h 49 min
